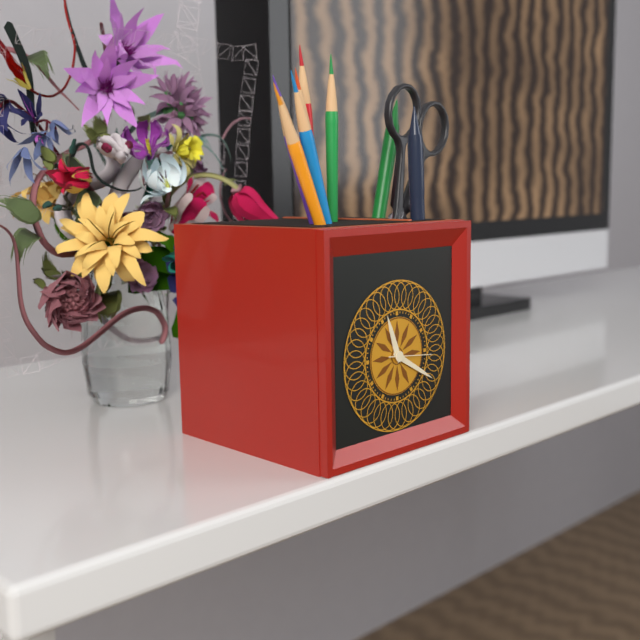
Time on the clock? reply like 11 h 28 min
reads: 11 h 20 min
